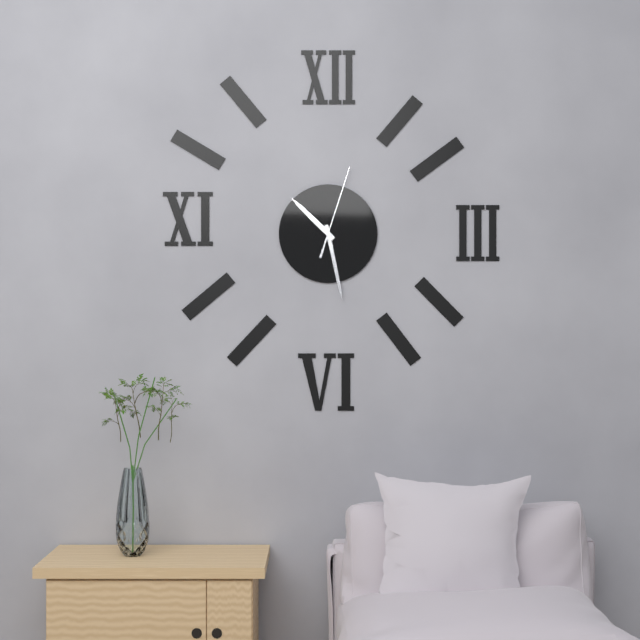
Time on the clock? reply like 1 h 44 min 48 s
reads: 10 h 28 min 03 s
